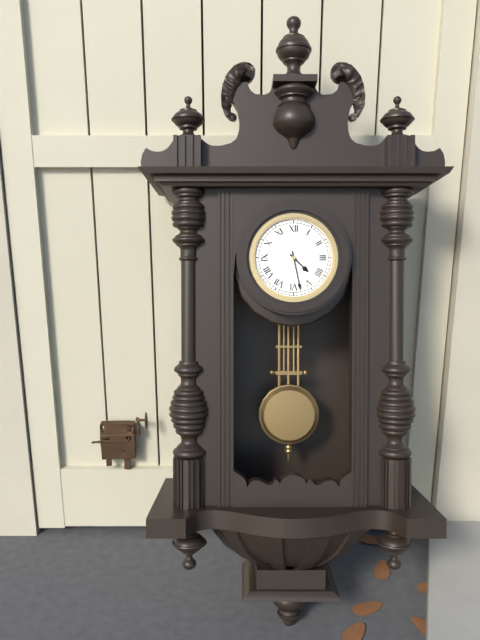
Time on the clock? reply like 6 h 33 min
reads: 4 h 28 min
